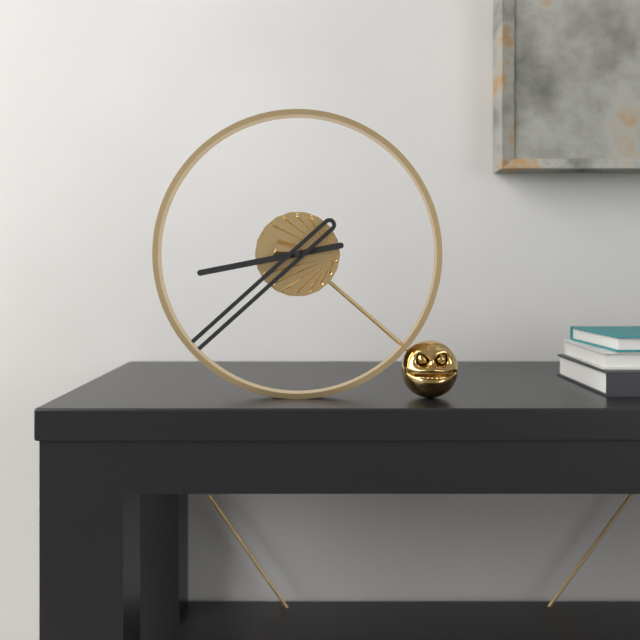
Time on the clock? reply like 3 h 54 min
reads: 8 h 38 min
